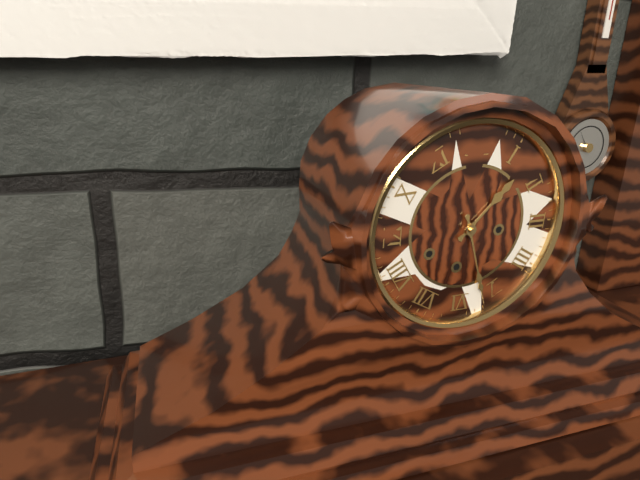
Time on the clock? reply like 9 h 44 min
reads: 1 h 27 min
